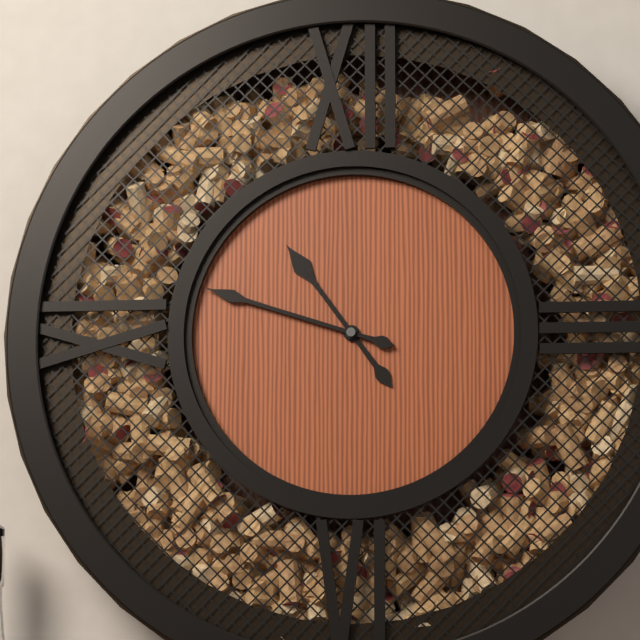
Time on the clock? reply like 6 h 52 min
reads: 10 h 48 min
